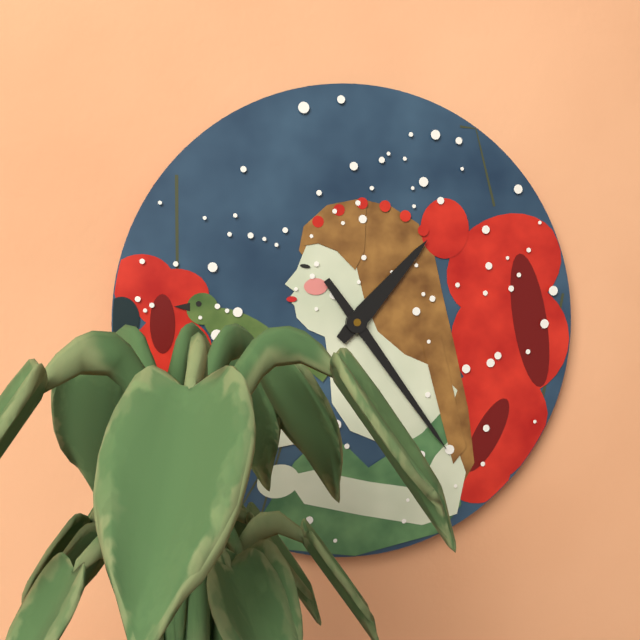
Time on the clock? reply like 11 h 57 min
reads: 1 h 24 min
